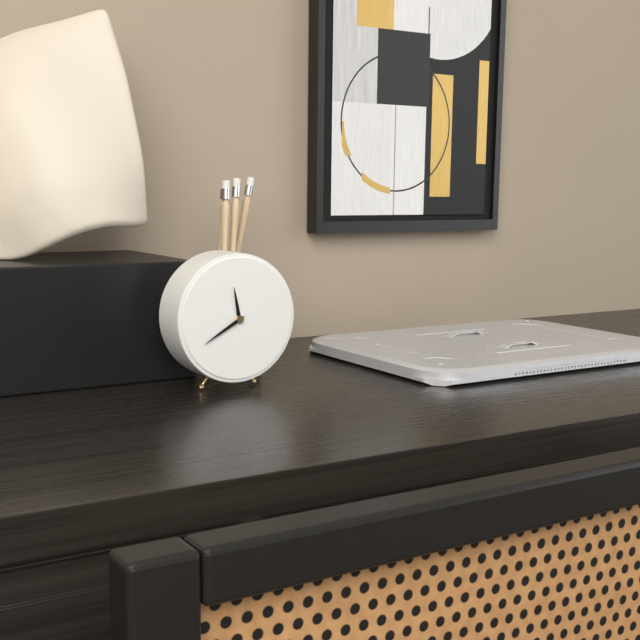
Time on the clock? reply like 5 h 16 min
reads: 11 h 40 min
